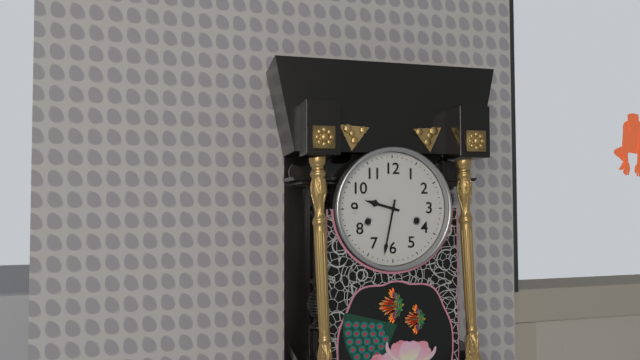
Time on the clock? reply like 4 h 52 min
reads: 9 h 32 min
